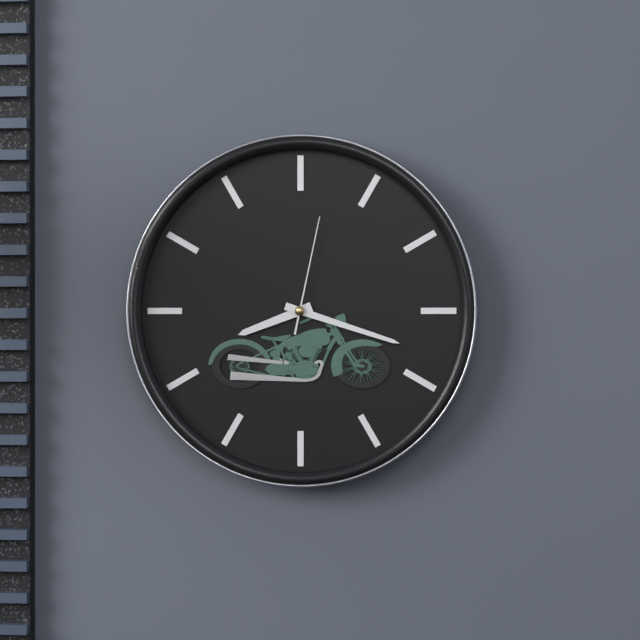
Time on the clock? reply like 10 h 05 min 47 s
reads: 8 h 18 min 02 s
